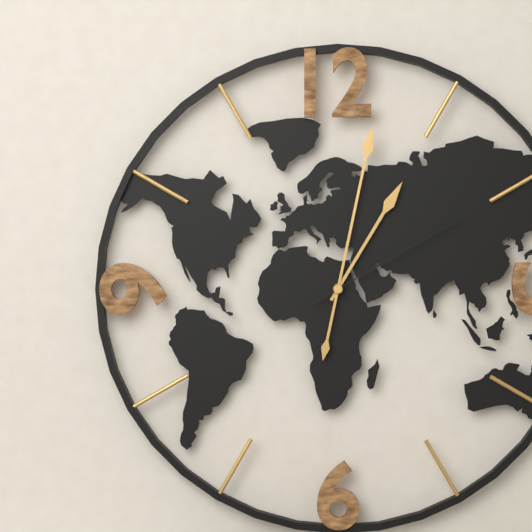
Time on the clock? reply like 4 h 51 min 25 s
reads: 1 h 02 min 10 s
